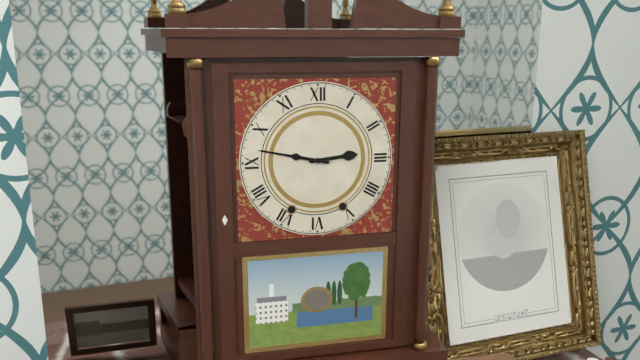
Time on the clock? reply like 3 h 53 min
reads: 2 h 47 min
